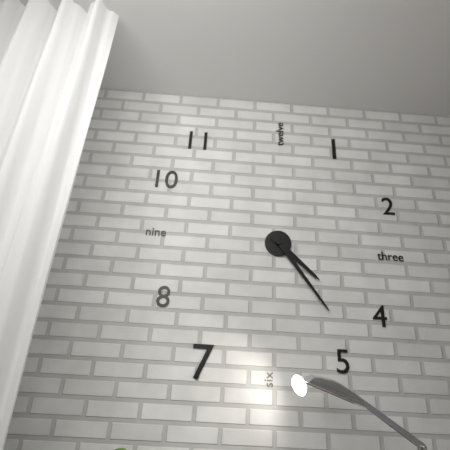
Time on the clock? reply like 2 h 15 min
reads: 4 h 24 min
